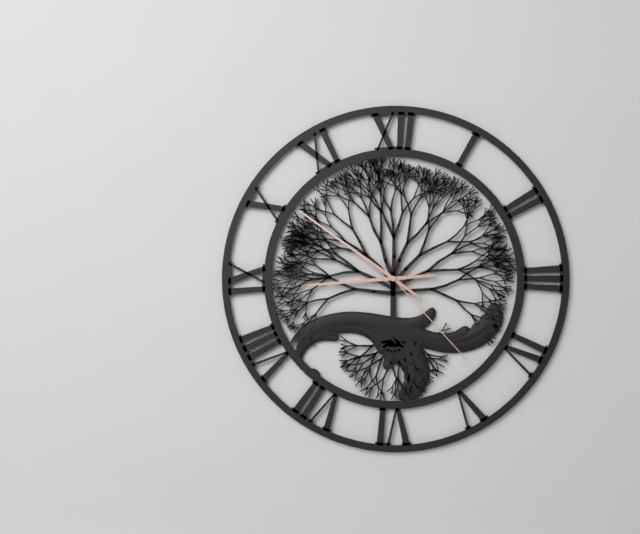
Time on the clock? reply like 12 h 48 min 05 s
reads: 8 h 51 min 23 s
